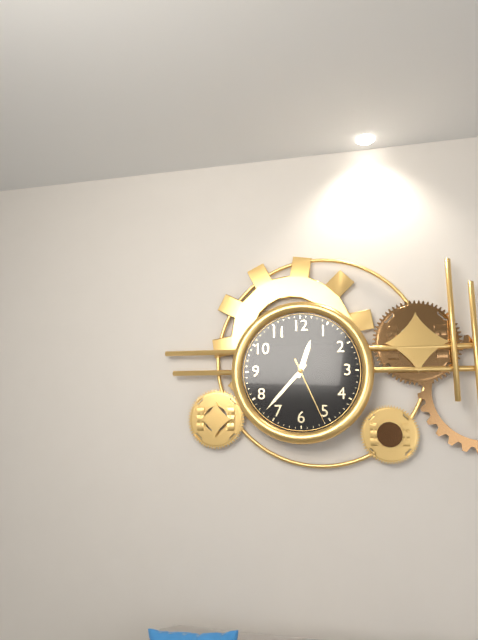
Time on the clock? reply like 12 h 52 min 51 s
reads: 12 h 37 min 26 s
